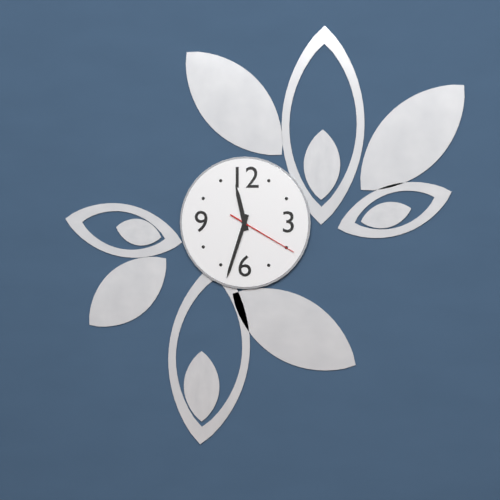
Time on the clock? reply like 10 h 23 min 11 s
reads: 11 h 33 min 20 s
